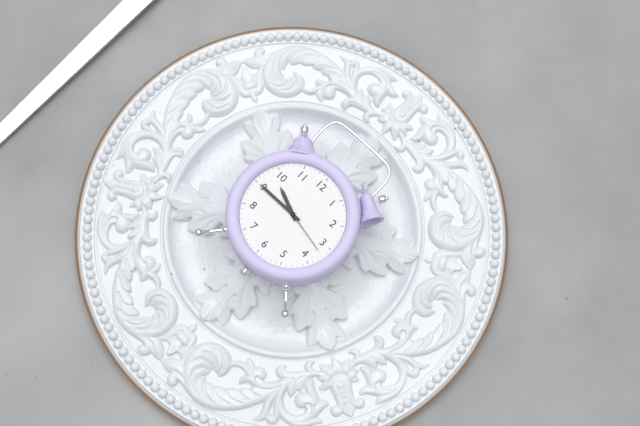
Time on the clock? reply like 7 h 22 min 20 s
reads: 9 h 45 min 17 s
